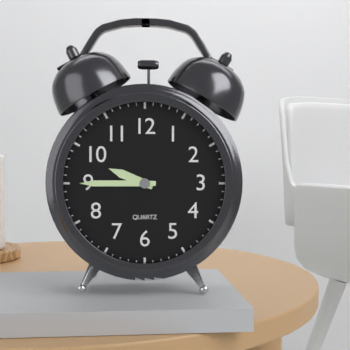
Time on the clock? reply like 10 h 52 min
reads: 9 h 45 min
